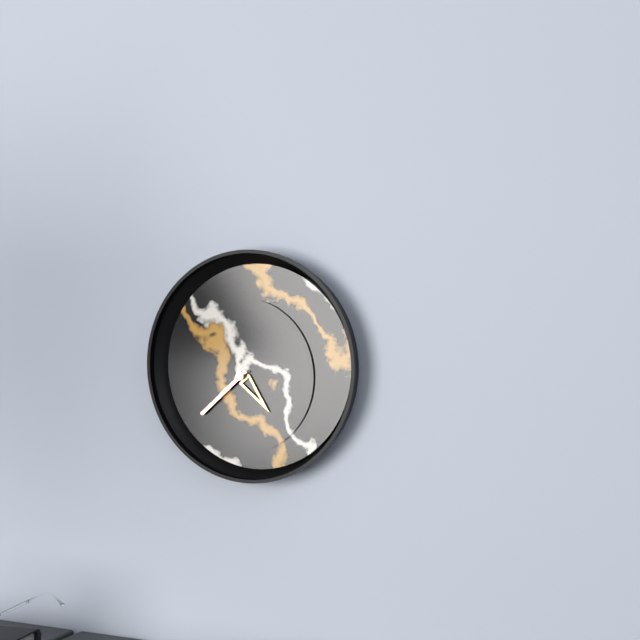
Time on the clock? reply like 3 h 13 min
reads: 4 h 38 min
